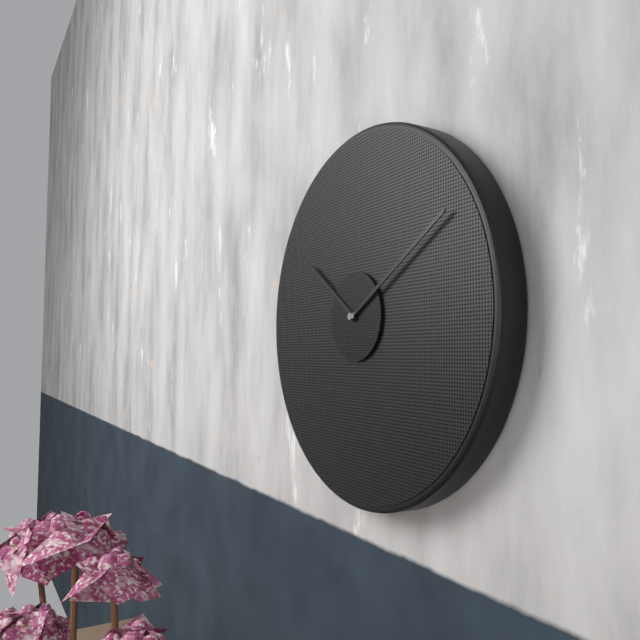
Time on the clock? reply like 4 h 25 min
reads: 10 h 10 min
